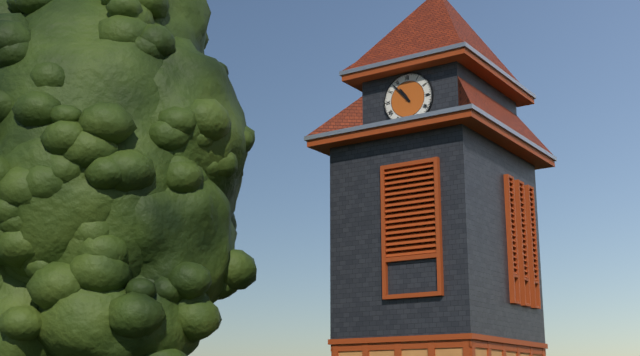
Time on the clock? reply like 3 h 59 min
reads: 10 h 53 min
